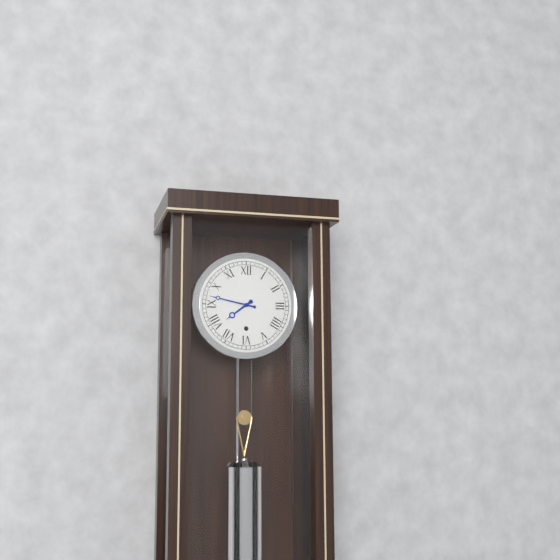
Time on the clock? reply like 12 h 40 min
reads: 7 h 47 min
